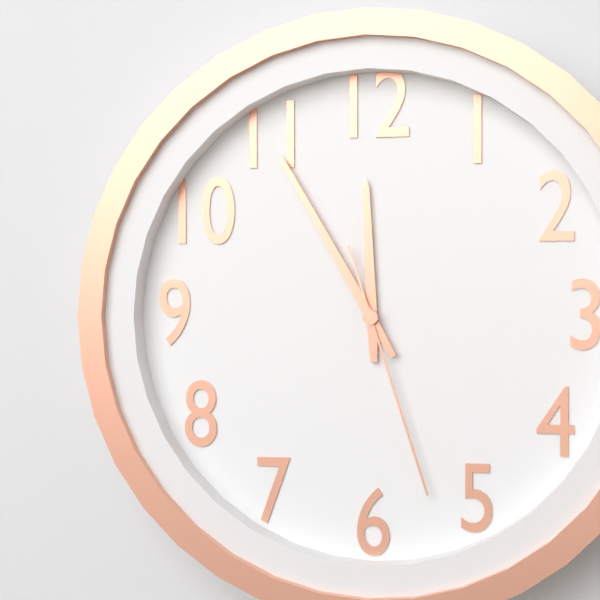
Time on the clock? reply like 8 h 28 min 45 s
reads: 11 h 55 min 27 s
